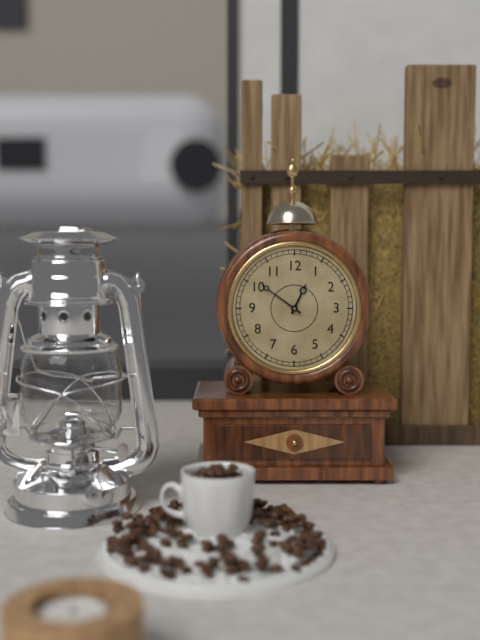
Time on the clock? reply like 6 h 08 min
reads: 12 h 51 min
